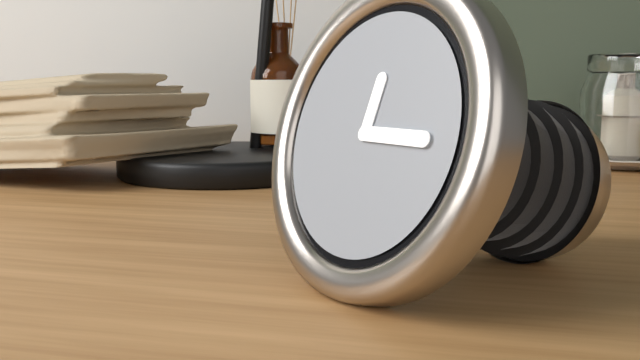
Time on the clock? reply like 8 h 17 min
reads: 12 h 15 min
